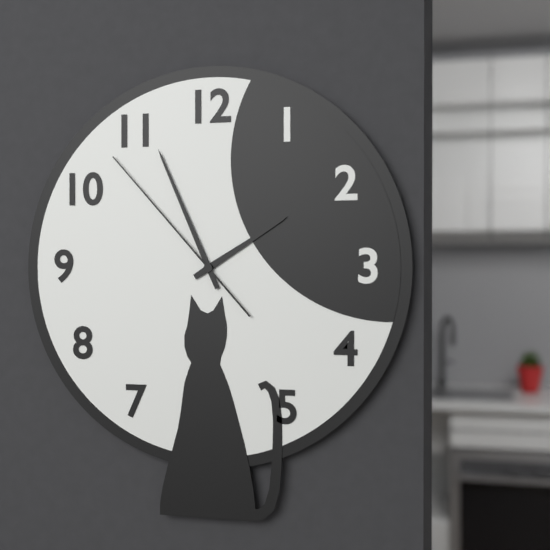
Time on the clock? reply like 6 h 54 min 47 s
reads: 1 h 56 min 53 s
